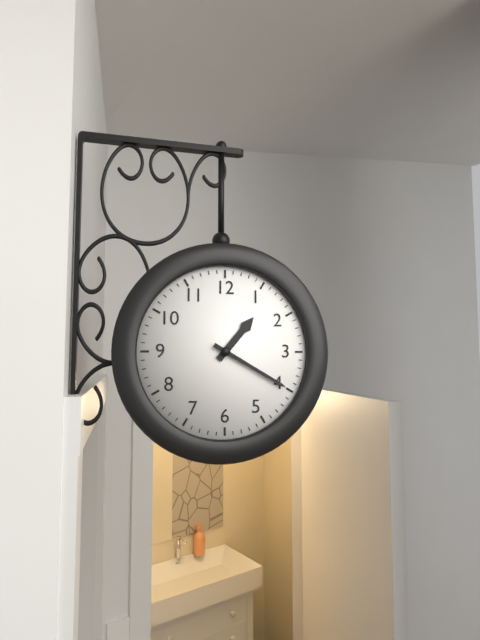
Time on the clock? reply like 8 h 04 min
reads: 1 h 20 min
